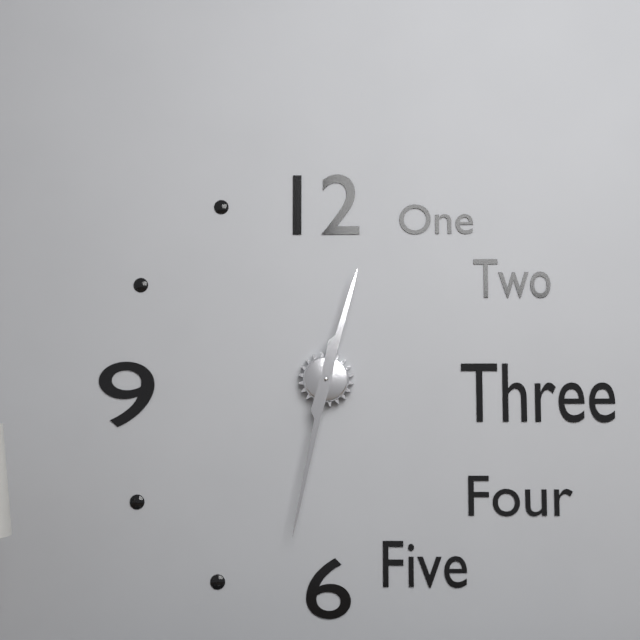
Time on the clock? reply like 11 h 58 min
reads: 12 h 32 min
